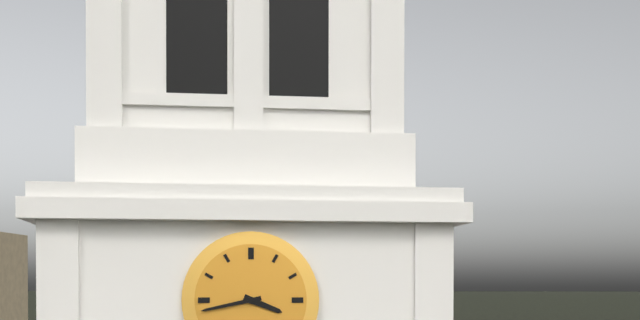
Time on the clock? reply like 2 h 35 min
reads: 3 h 43 min
